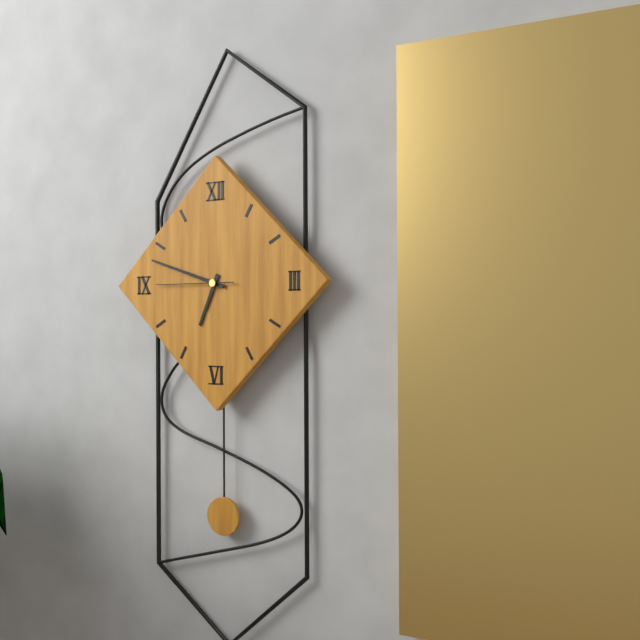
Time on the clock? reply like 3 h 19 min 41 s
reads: 6 h 48 min 45 s
